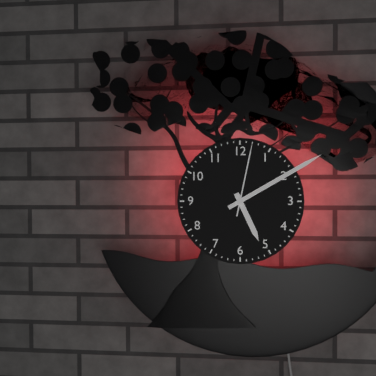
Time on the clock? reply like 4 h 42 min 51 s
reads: 5 h 10 min 02 s
